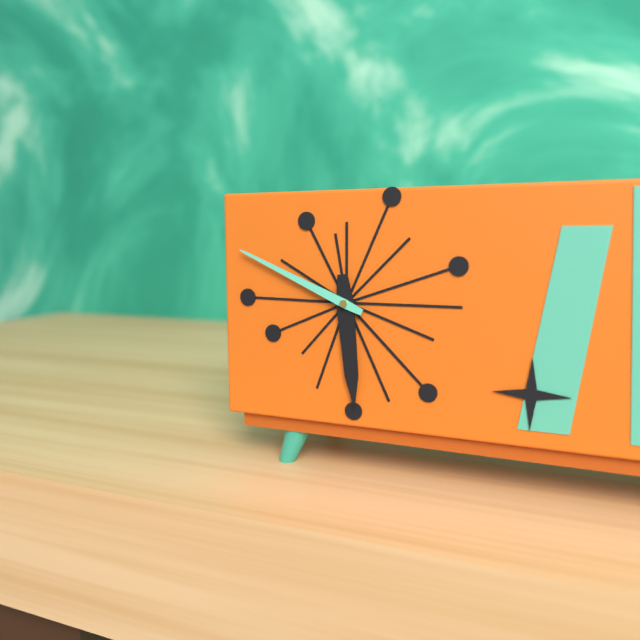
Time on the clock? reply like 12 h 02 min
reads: 5 h 49 min
